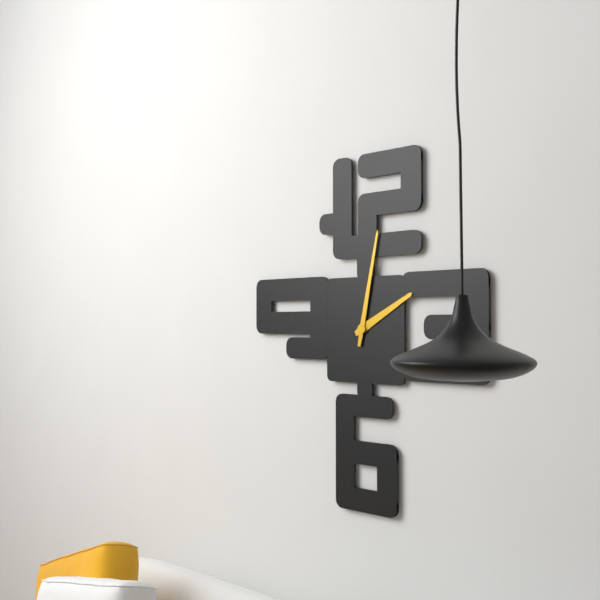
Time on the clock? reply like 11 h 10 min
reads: 2 h 02 min
